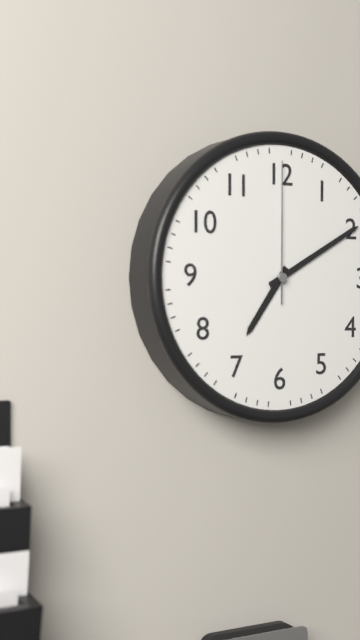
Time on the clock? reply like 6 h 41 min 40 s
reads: 7 h 10 min 00 s
